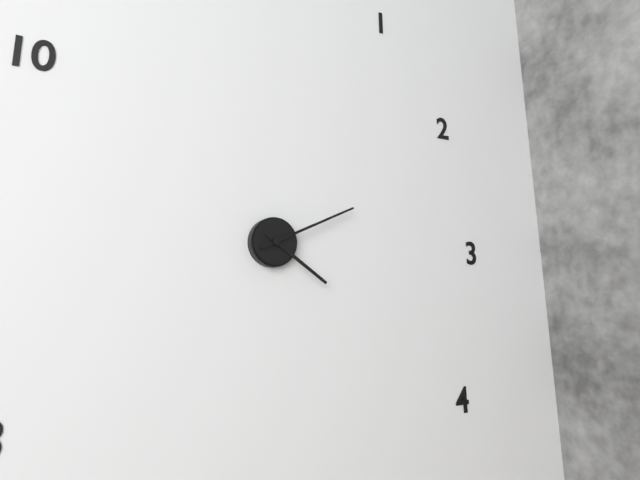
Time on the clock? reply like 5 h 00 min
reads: 4 h 11 min
